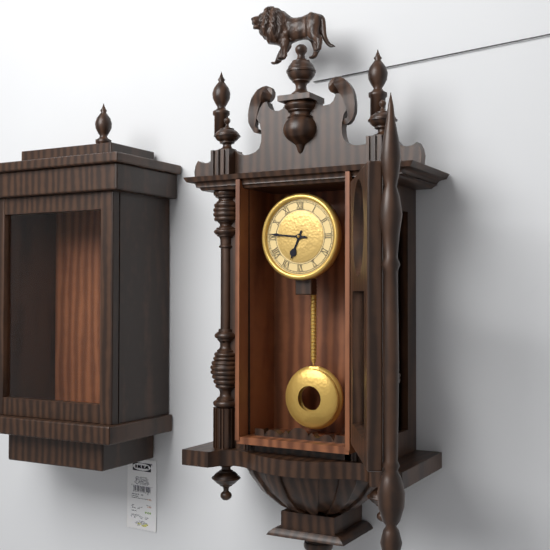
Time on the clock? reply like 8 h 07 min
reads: 6 h 46 min
